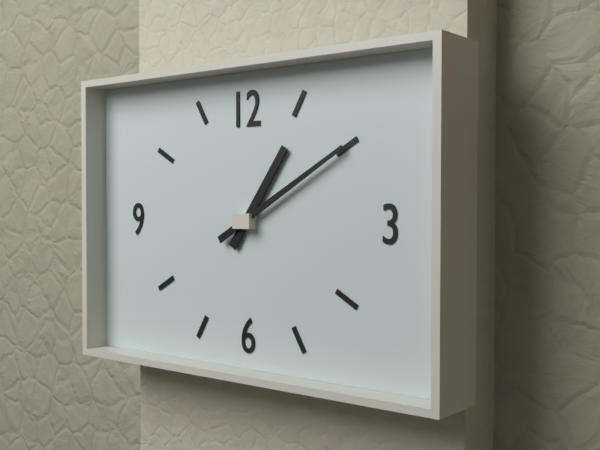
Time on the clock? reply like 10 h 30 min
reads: 1 h 10 min
